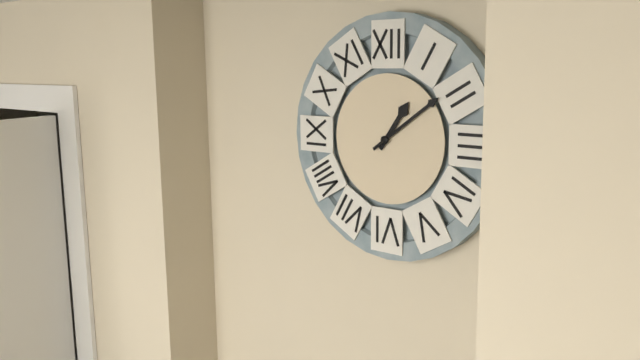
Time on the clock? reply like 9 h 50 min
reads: 1 h 09 min
